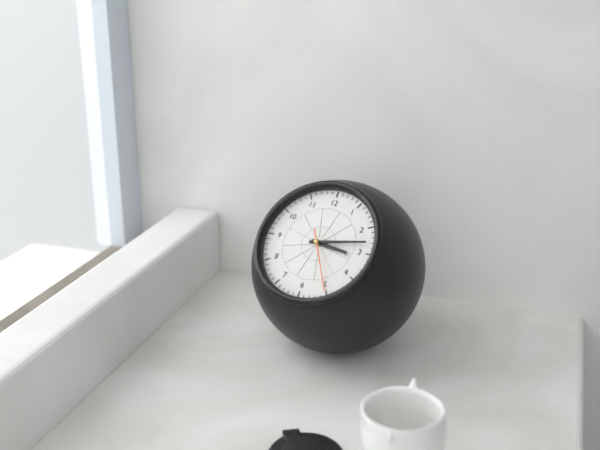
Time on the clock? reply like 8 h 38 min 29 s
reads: 3 h 13 min 25 s
